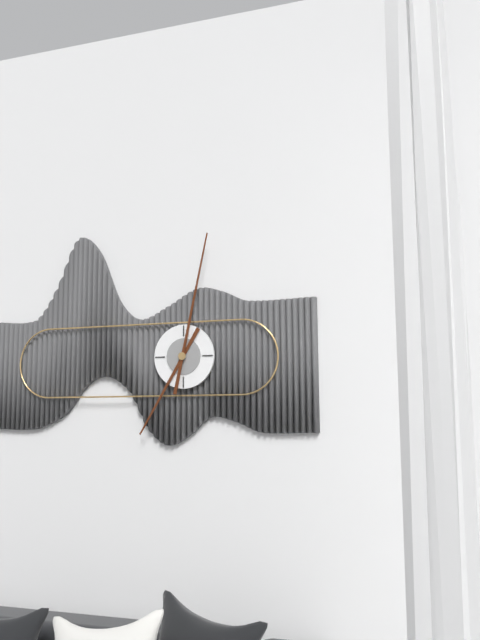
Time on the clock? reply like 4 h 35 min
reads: 7 h 02 min
